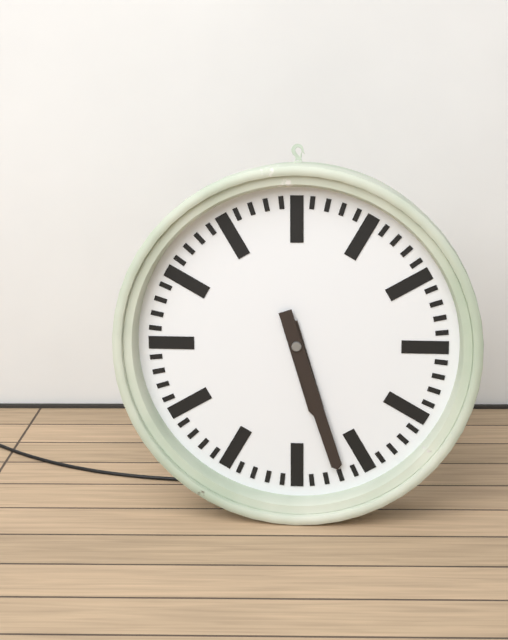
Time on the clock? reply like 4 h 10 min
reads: 5 h 27 min
